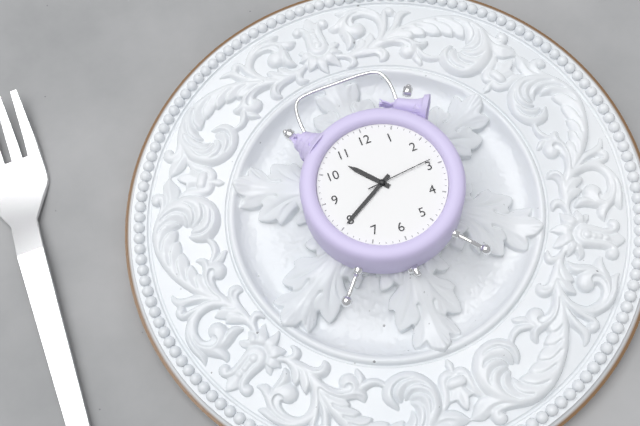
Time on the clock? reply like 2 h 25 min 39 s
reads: 10 h 40 min 14 s
